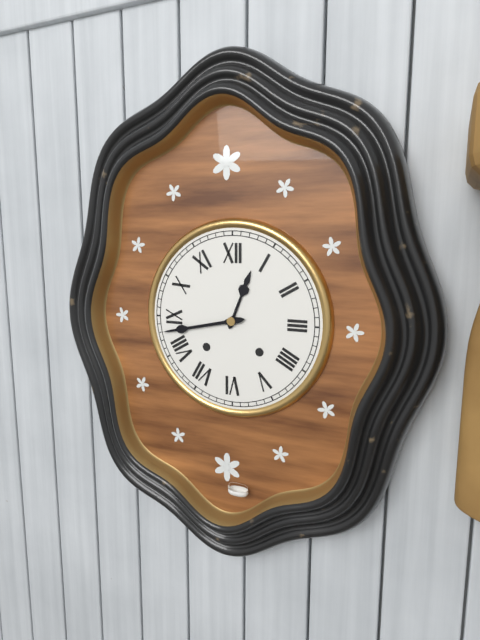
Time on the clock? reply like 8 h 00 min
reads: 12 h 43 min
